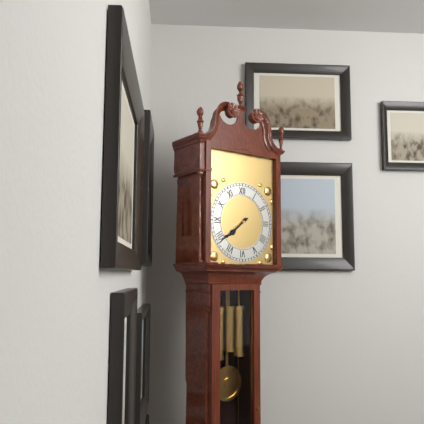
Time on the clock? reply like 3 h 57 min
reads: 7 h 39 min
